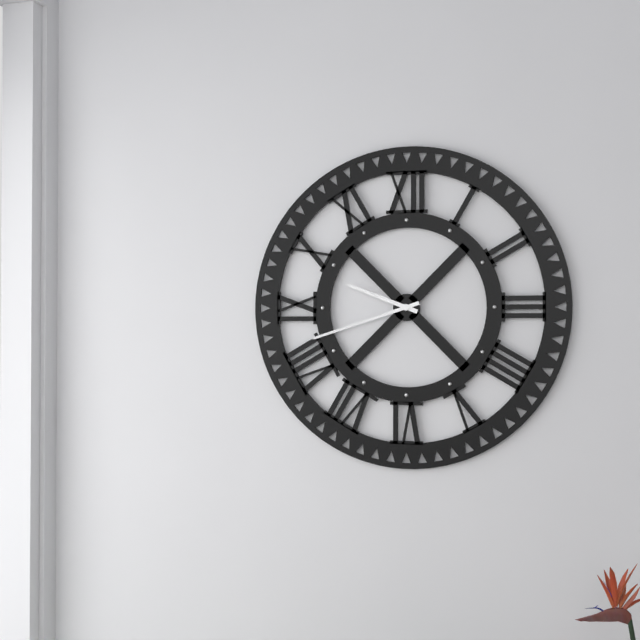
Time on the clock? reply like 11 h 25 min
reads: 9 h 42 min
